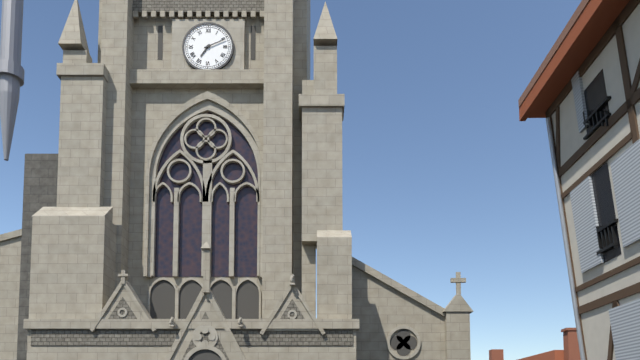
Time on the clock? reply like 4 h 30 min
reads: 7 h 11 min
